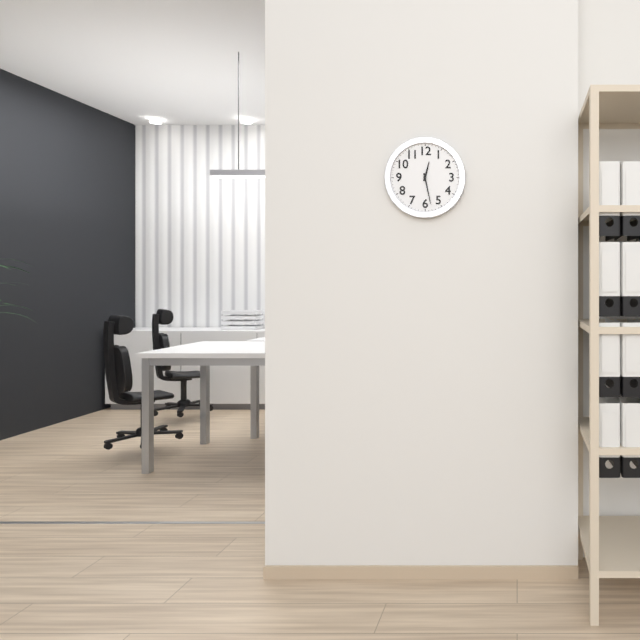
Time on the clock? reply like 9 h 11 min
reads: 12 h 28 min
